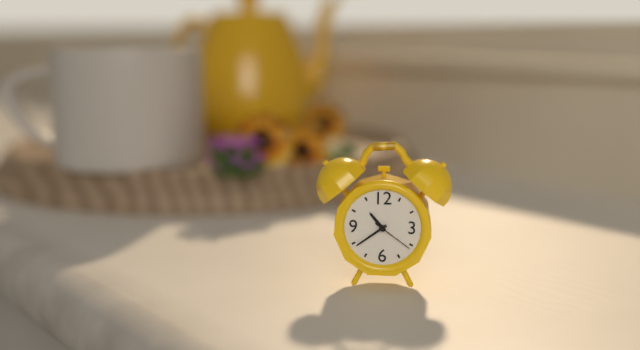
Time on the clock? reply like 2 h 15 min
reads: 10 h 39 min
